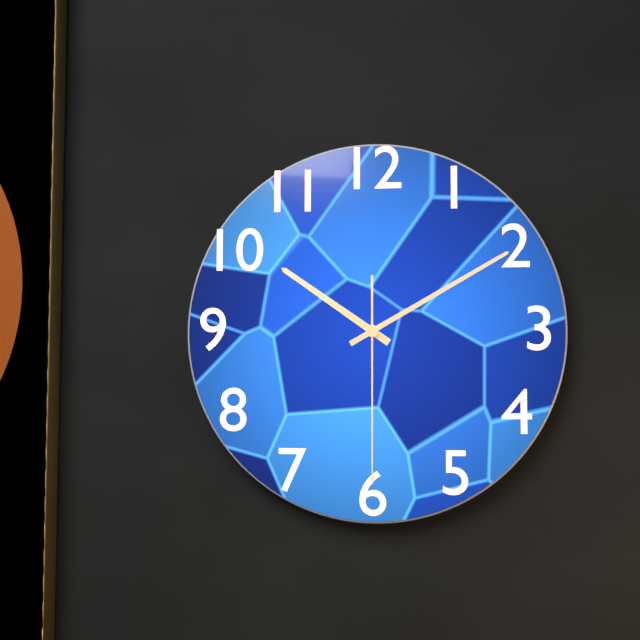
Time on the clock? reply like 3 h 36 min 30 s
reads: 10 h 10 min 30 s
